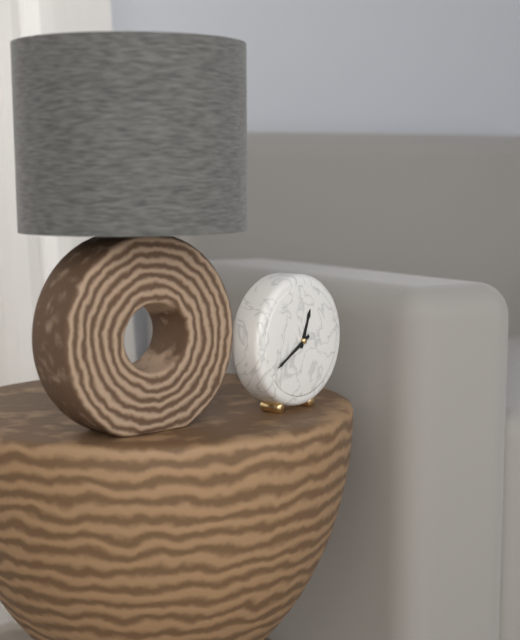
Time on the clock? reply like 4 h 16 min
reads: 12 h 40 min
